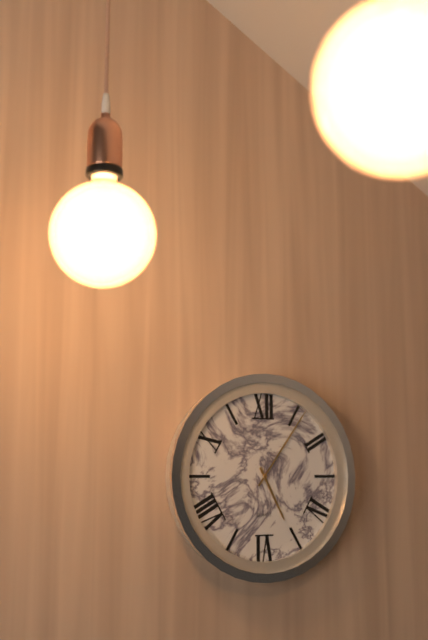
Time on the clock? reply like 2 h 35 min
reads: 5 h 06 min
